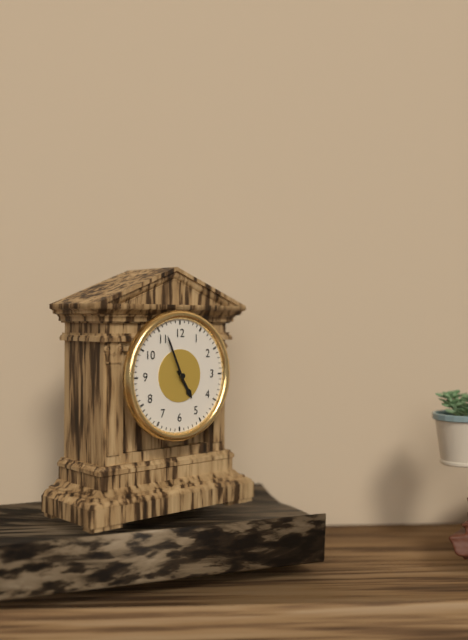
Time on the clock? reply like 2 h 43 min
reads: 4 h 56 min
